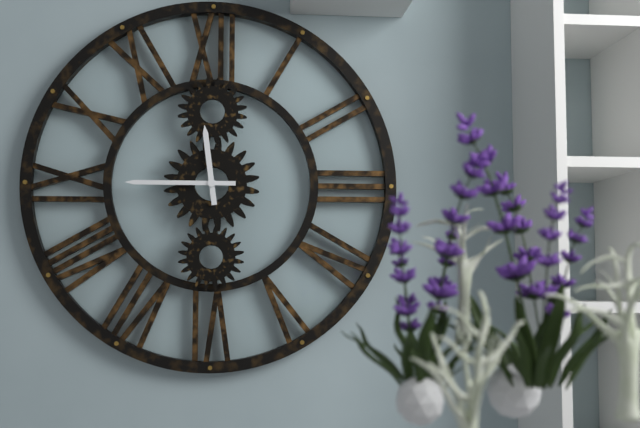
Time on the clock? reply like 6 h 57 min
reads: 11 h 45 min
